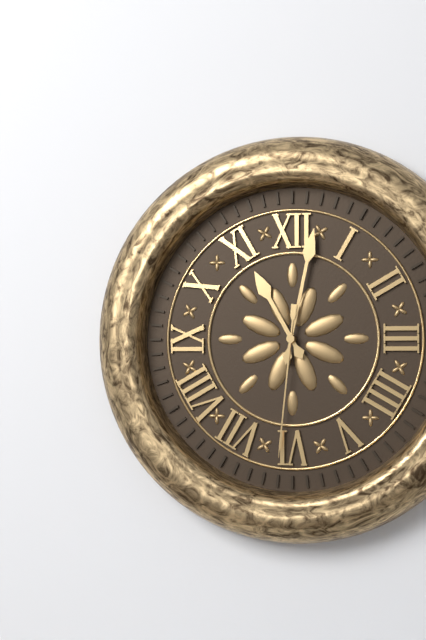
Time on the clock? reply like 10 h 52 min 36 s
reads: 11 h 02 min 31 s
